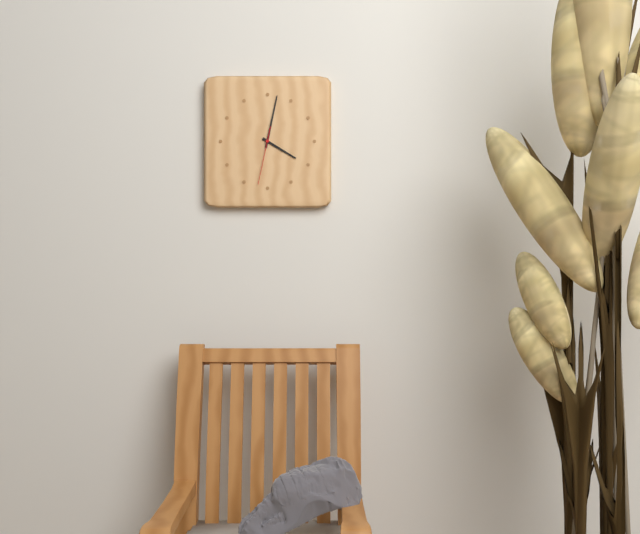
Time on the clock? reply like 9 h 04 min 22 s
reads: 4 h 02 min 32 s
